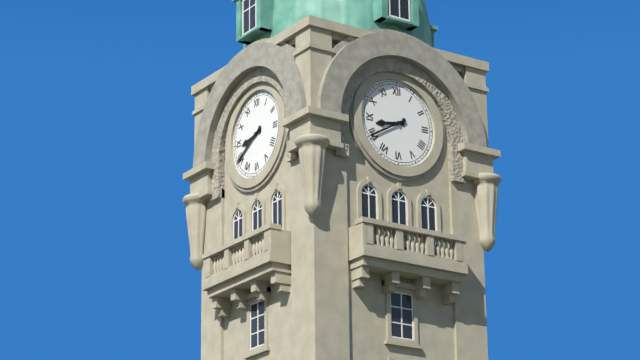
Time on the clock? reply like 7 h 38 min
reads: 8 h 40 min
